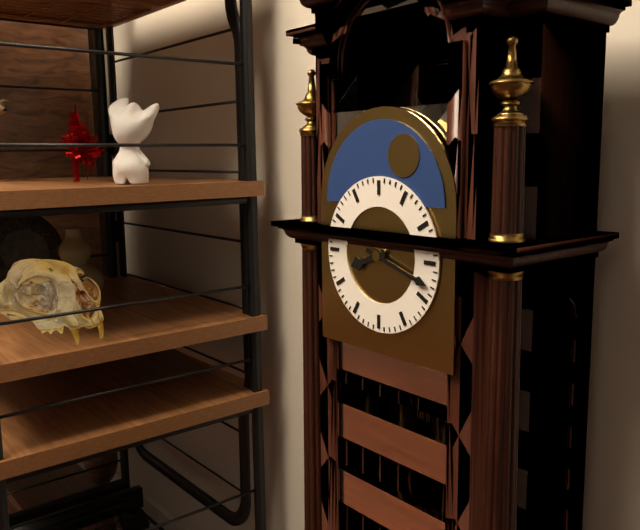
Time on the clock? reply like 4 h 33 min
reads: 8 h 18 min
